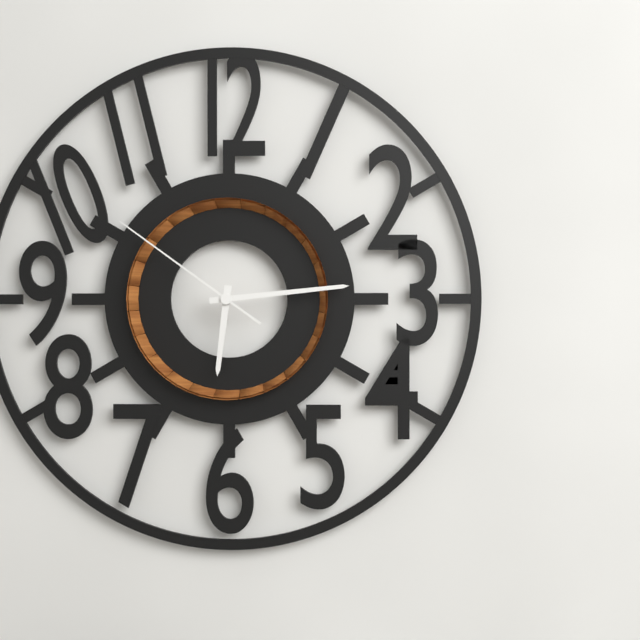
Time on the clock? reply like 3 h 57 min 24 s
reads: 6 h 14 min 51 s
